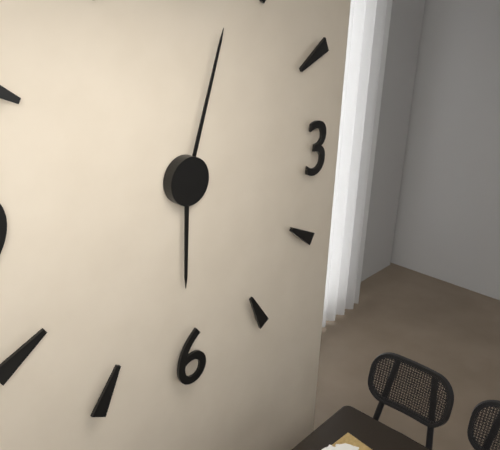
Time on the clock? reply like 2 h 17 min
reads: 6 h 03 min
